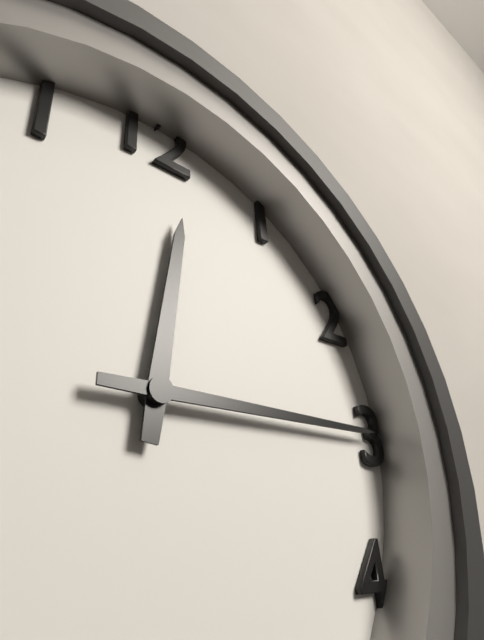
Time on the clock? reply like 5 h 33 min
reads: 12 h 15 min
